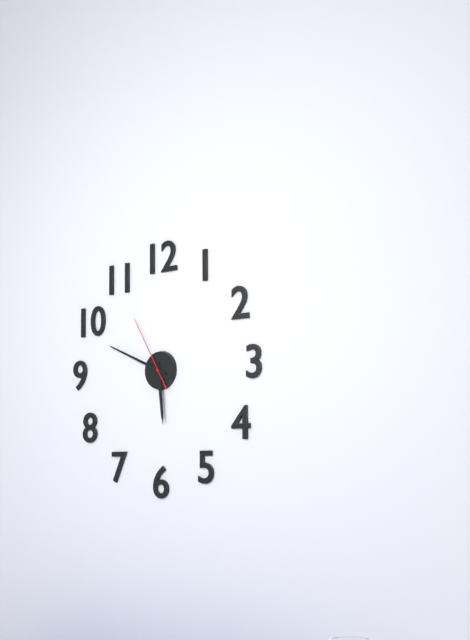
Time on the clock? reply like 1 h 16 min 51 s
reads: 5 h 49 min 55 s
